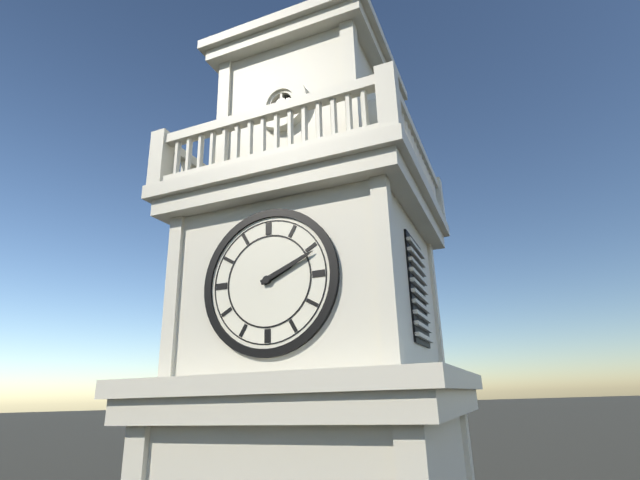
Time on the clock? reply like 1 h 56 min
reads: 2 h 11 min
